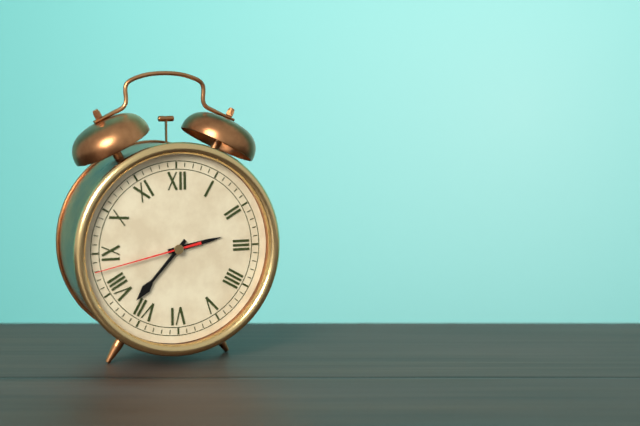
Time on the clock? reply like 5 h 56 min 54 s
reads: 2 h 37 min 43 s
